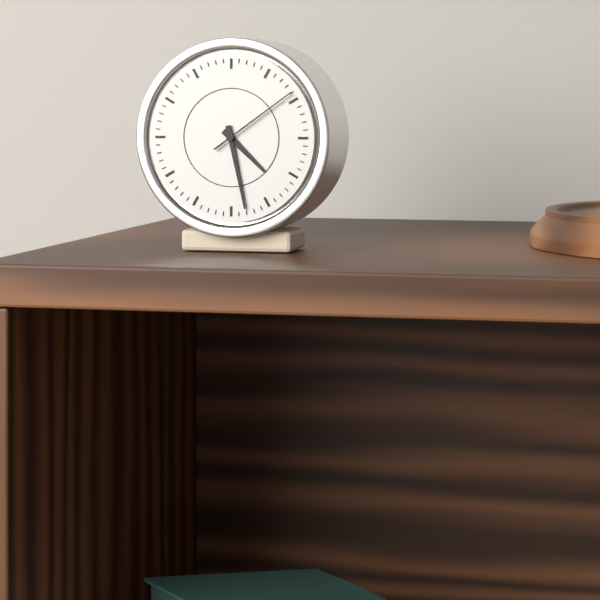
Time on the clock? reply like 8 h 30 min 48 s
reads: 4 h 28 min 09 s
